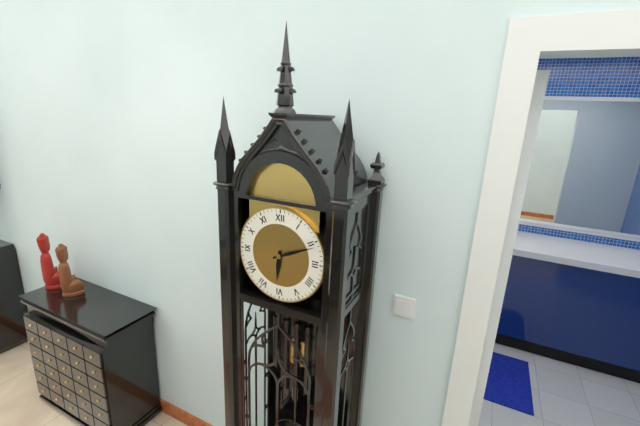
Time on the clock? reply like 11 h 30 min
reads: 6 h 11 min
